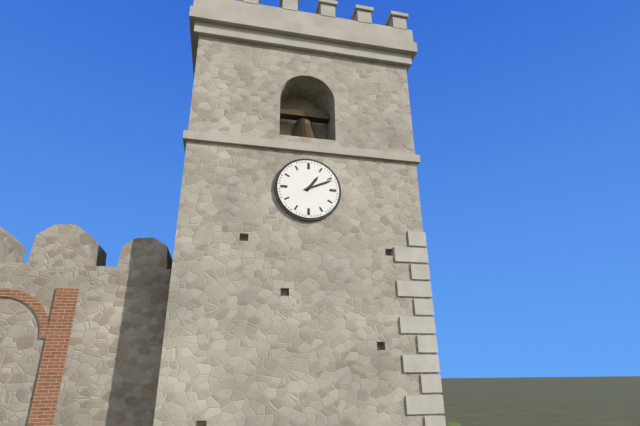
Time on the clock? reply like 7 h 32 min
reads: 1 h 11 min
